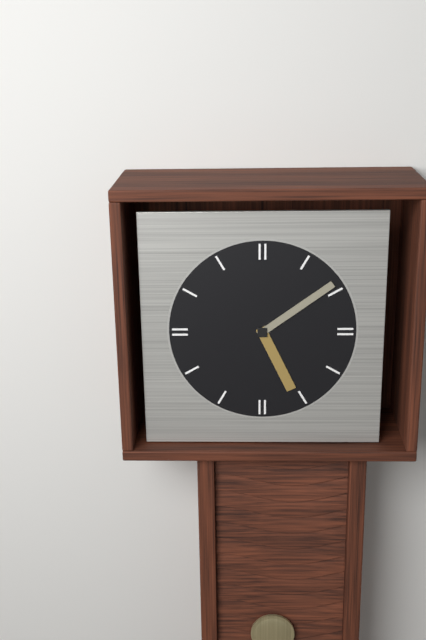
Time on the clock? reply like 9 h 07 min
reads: 5 h 09 min
